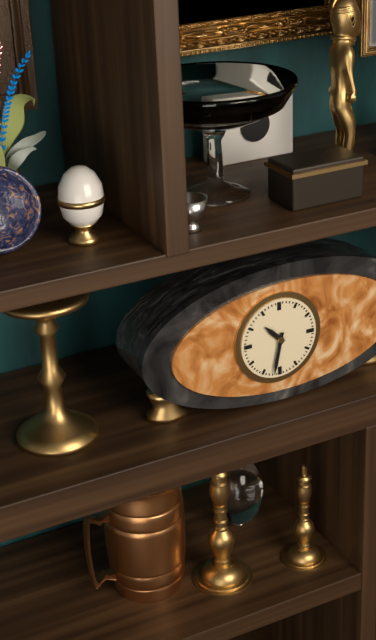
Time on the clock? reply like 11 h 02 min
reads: 10 h 32 min
